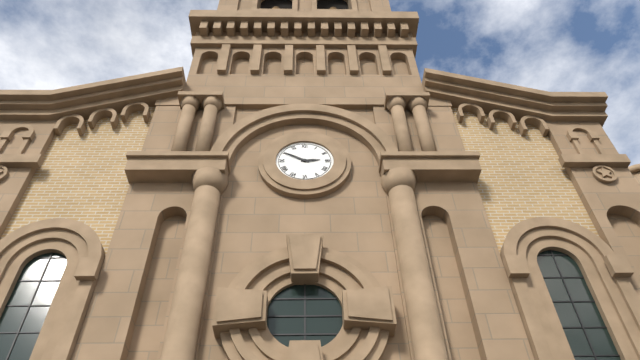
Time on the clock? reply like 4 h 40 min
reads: 2 h 50 min
